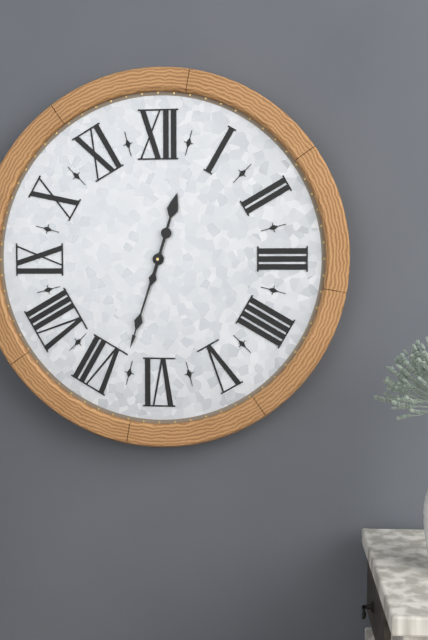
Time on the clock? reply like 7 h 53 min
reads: 12 h 33 min
